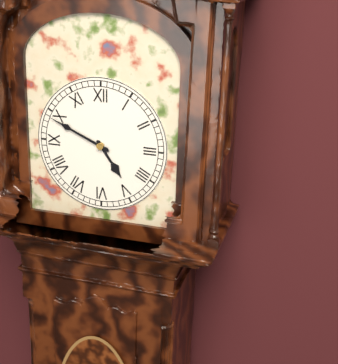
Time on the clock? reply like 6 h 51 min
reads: 4 h 49 min
